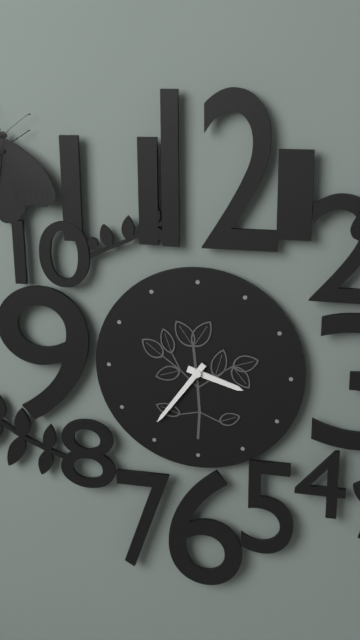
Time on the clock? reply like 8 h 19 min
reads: 3 h 36 min
